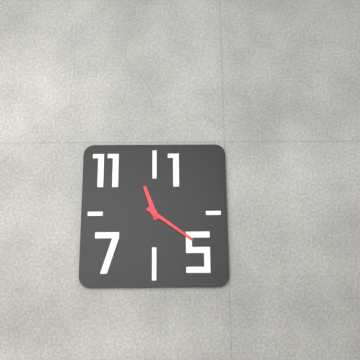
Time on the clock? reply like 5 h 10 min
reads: 11 h 21 min
